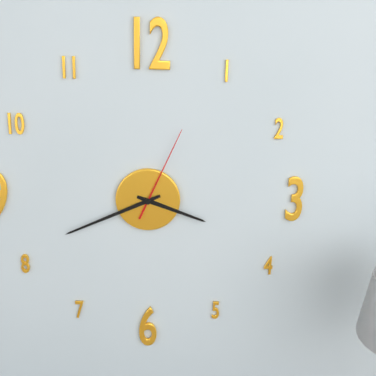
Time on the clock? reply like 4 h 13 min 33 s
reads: 3 h 41 min 04 s
